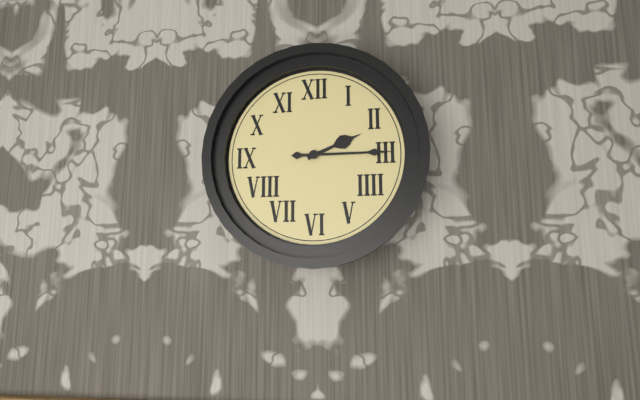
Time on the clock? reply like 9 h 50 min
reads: 2 h 15 min
